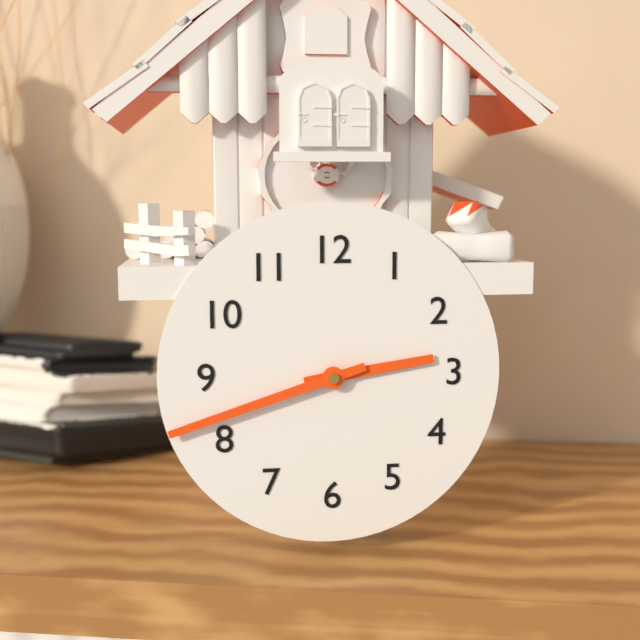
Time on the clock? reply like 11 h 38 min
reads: 2 h 42 min
